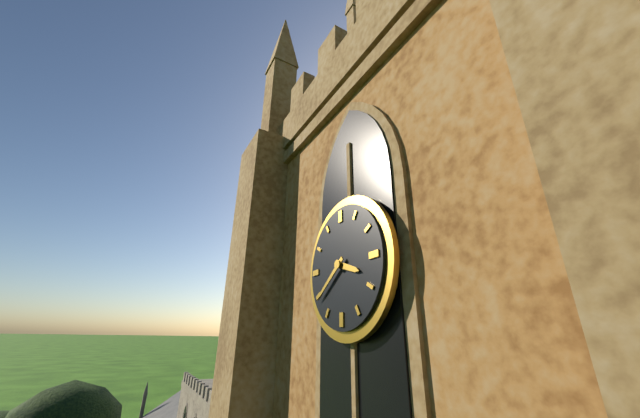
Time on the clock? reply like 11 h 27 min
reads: 3 h 39 min
